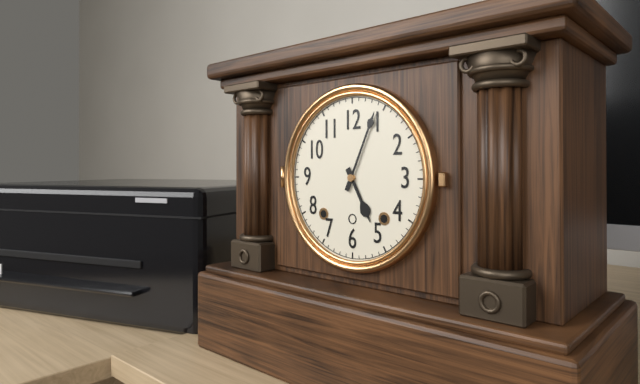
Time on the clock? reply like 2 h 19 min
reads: 5 h 04 min
